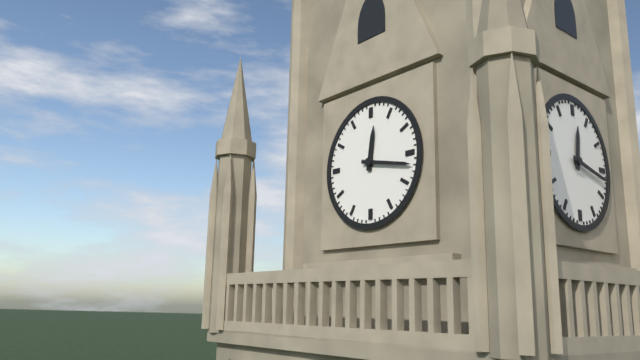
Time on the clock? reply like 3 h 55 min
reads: 12 h 17 min
